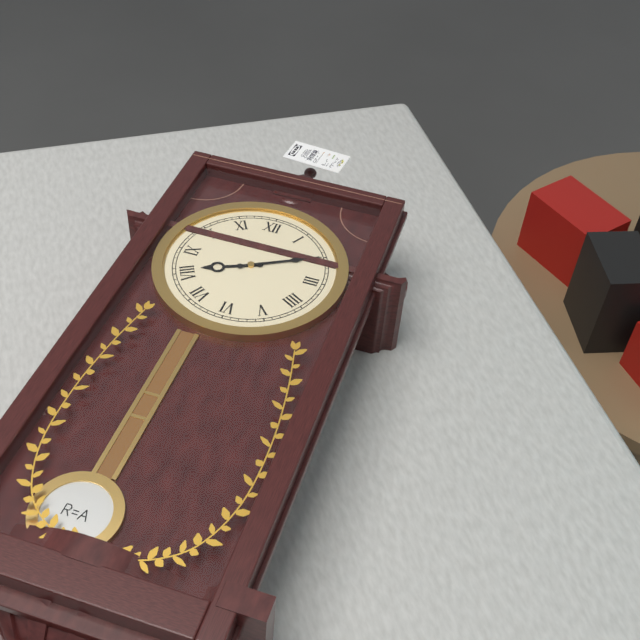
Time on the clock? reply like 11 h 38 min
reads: 8 h 10 min
